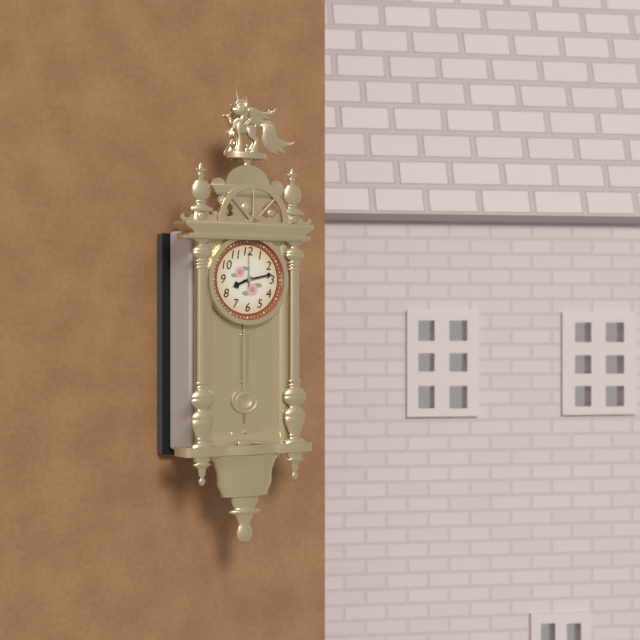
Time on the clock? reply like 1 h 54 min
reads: 8 h 13 min
